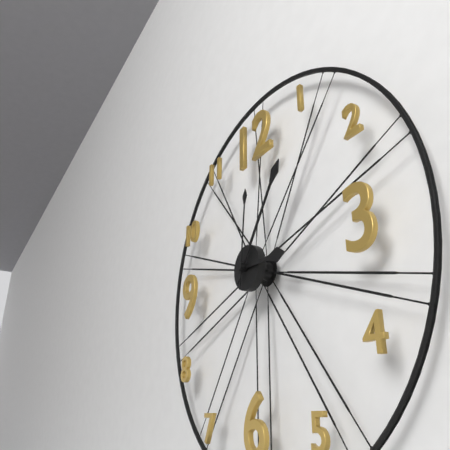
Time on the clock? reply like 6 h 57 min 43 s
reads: 3 h 06 min 01 s
